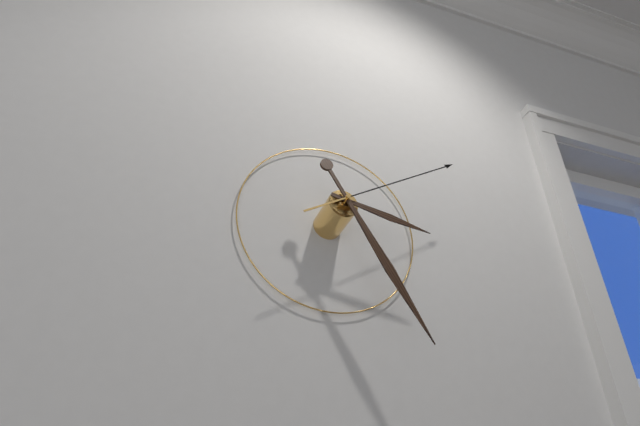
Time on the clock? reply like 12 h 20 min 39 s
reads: 3 h 25 min 10 s
